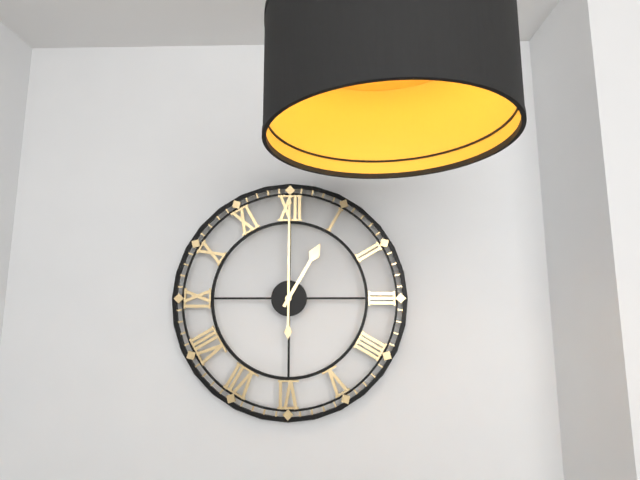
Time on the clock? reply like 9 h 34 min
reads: 1 h 00 min
